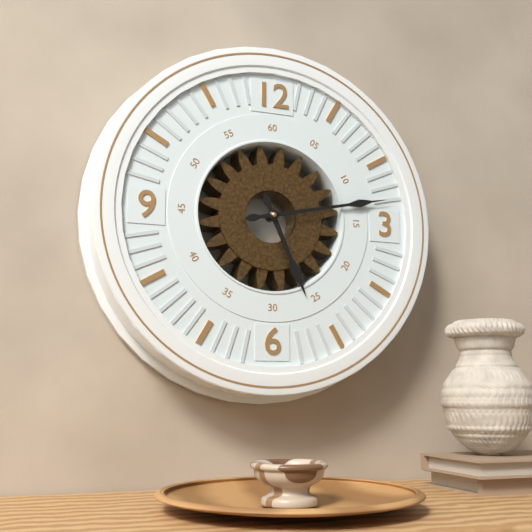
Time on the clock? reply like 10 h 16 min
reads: 5 h 13 min
